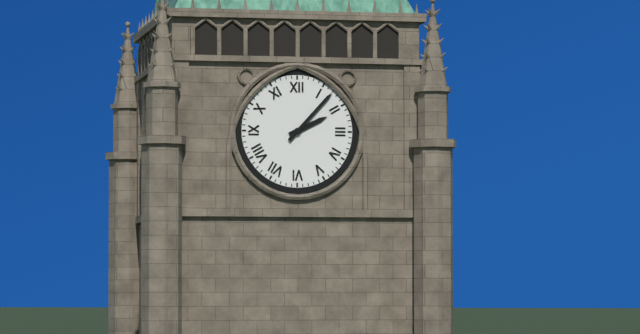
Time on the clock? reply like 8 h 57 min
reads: 2 h 07 min
